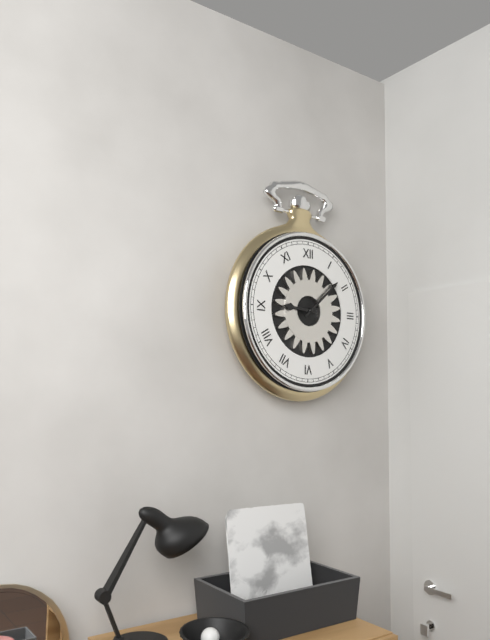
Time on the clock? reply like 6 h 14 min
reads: 9 h 08 min
